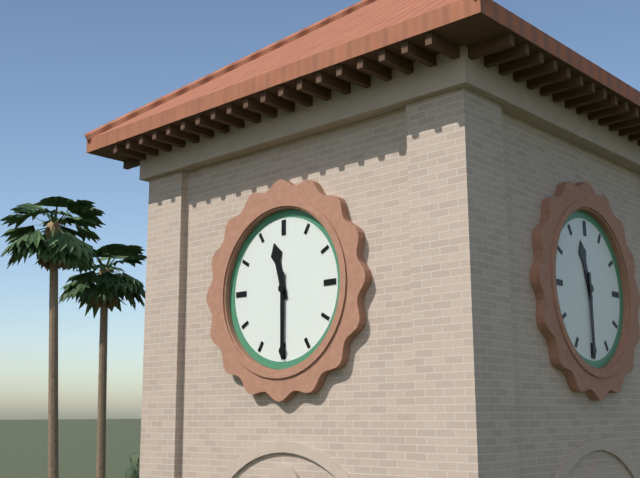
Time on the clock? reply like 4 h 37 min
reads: 11 h 30 min
